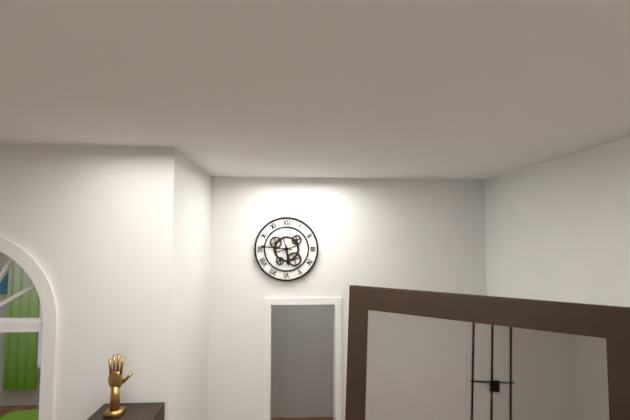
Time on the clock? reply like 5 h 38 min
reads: 5 h 46 min
